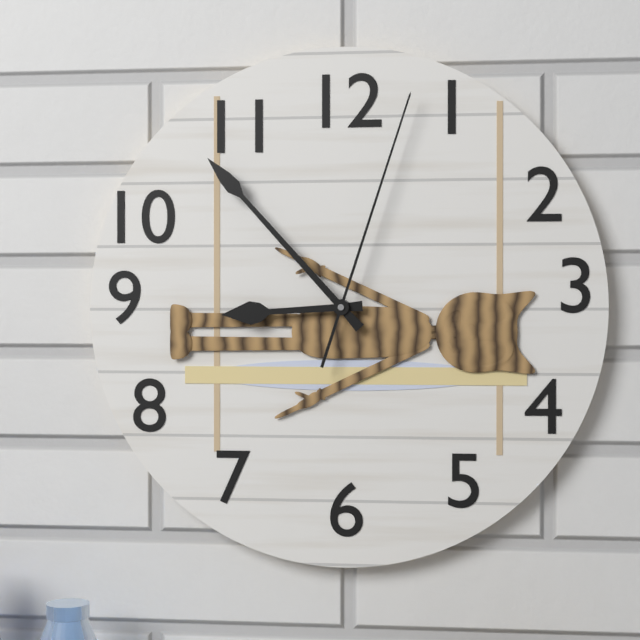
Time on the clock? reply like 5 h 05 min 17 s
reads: 8 h 53 min 03 s
